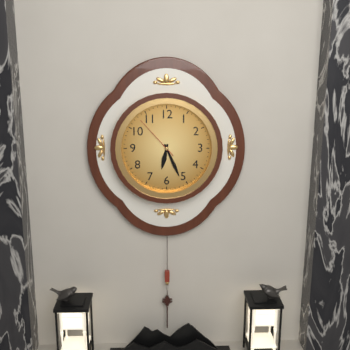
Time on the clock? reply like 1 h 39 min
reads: 6 h 26 min
